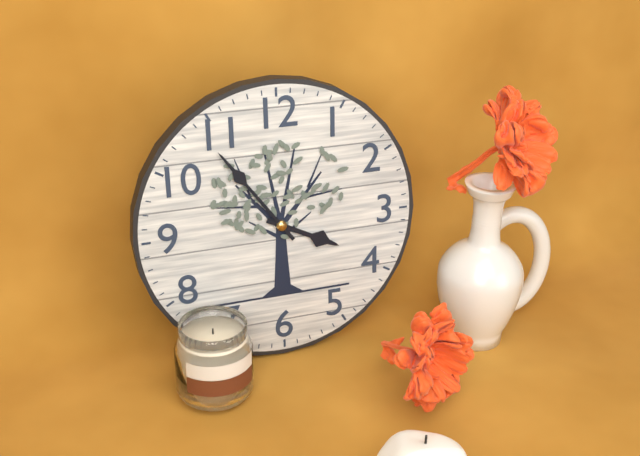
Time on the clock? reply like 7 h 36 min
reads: 3 h 54 min
